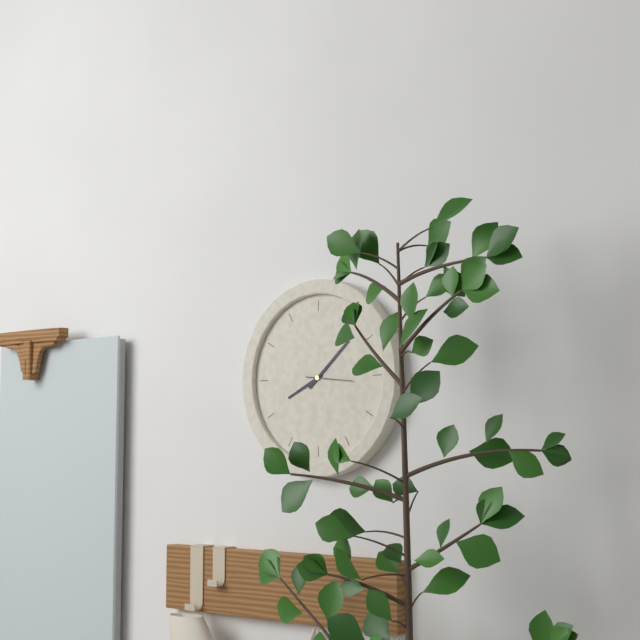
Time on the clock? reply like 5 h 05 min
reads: 8 h 08 min
